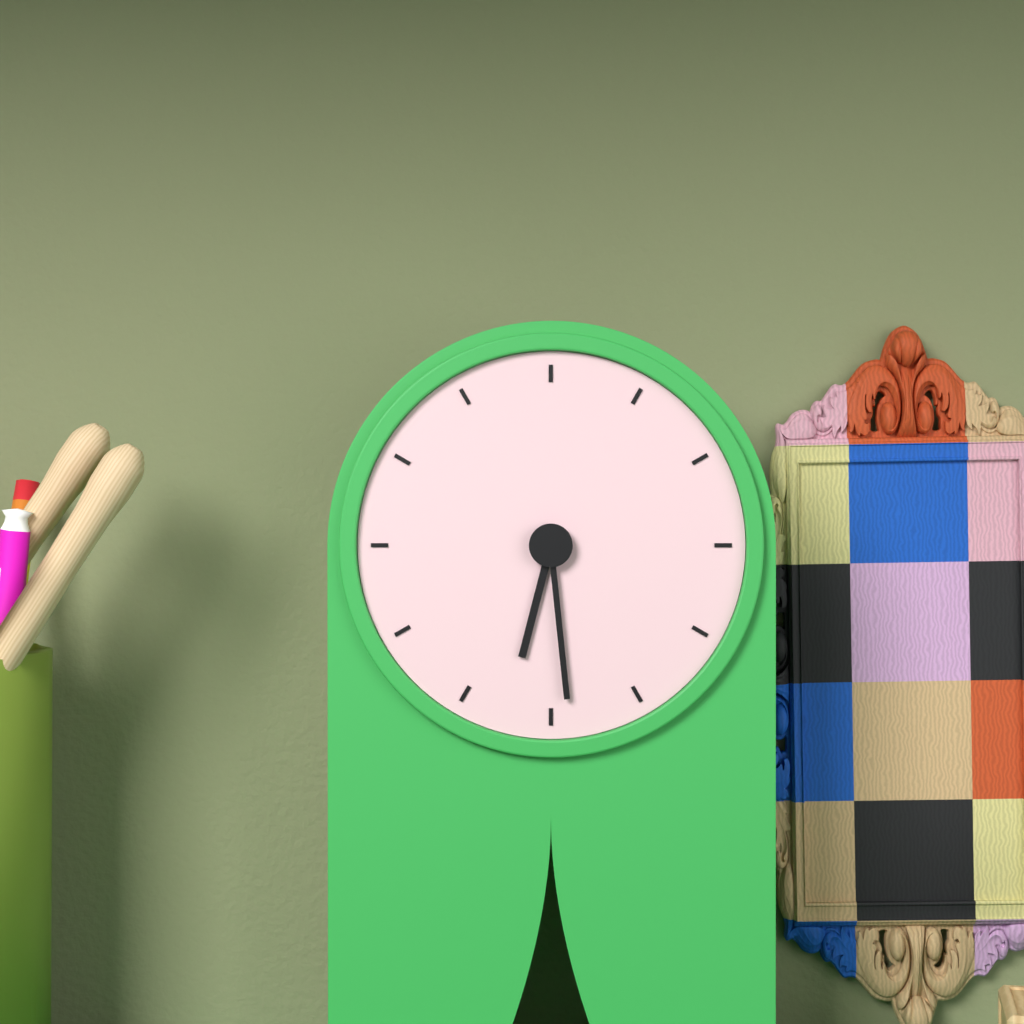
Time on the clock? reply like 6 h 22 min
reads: 6 h 29 min
